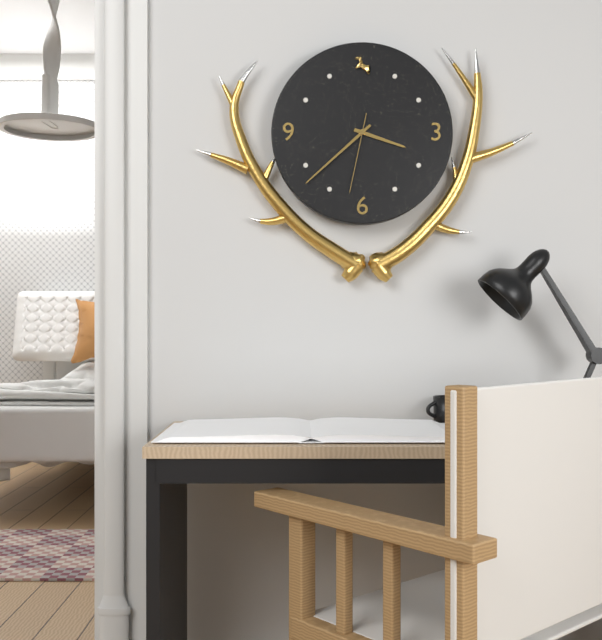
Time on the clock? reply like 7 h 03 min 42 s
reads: 3 h 38 min 32 s
